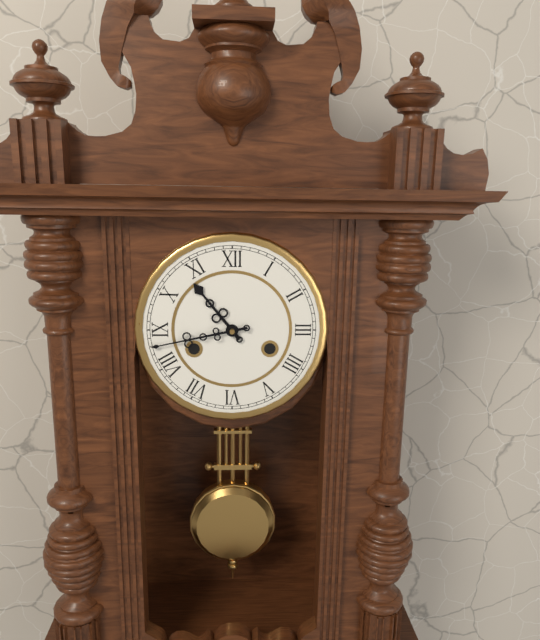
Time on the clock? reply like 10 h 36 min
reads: 10 h 43 min
